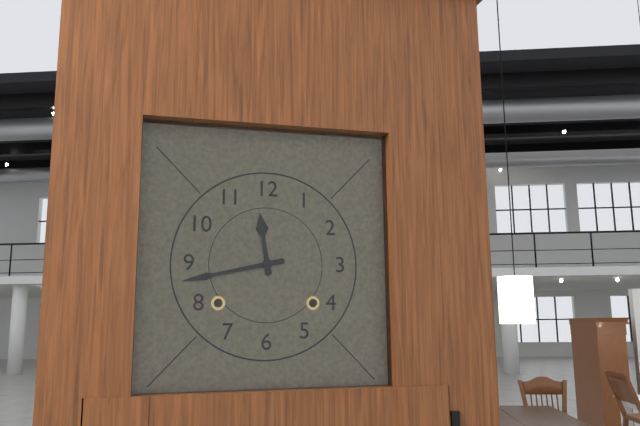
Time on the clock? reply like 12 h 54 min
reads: 11 h 43 min
